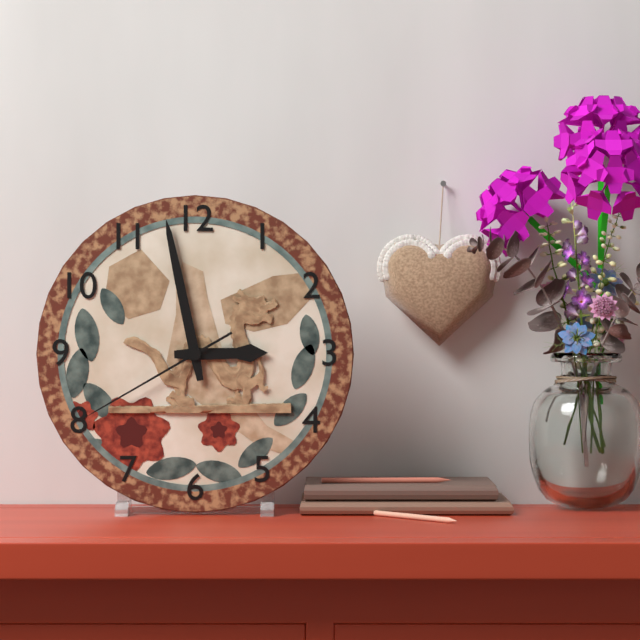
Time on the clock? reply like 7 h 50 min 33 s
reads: 2 h 58 min 40 s
